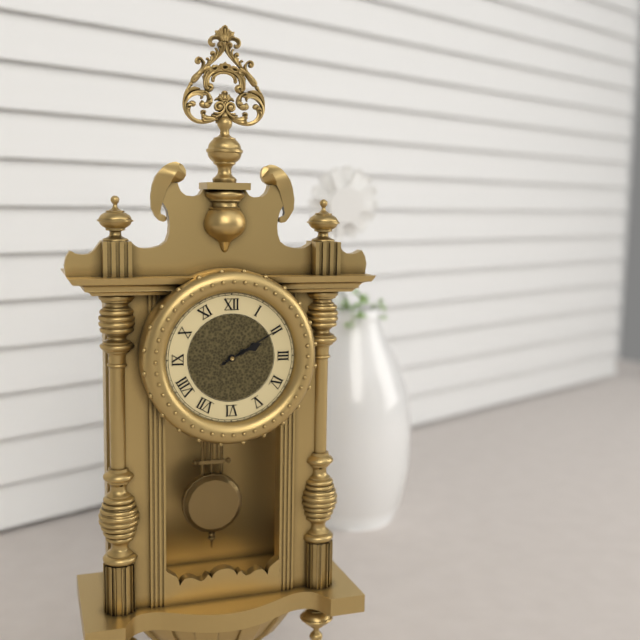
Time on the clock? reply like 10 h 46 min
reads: 2 h 10 min
